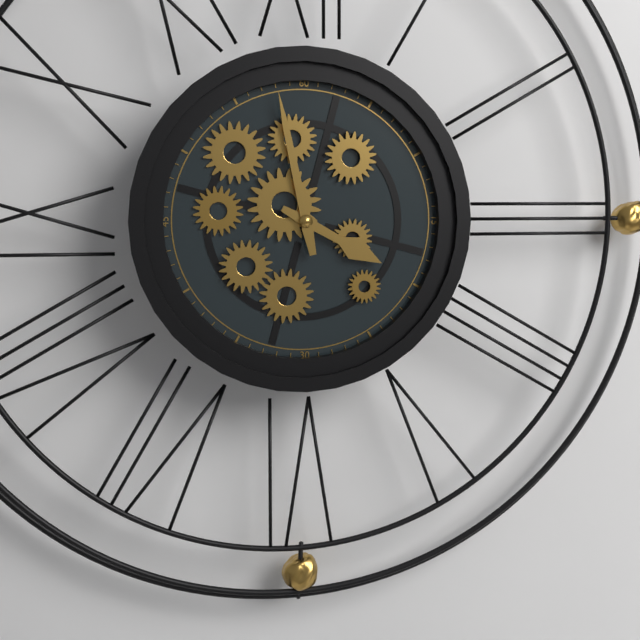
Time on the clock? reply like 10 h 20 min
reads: 3 h 58 min
